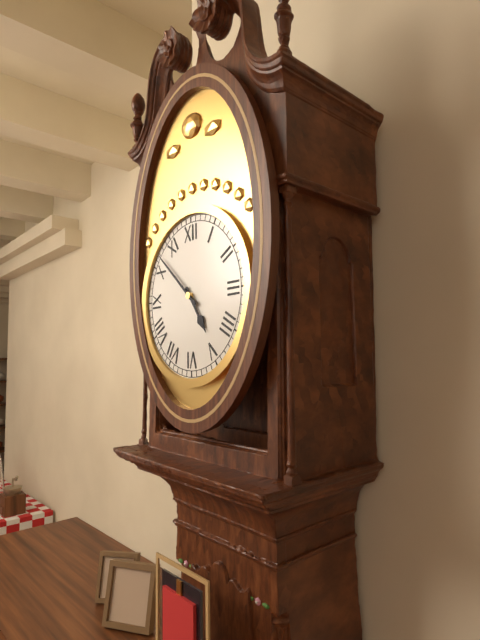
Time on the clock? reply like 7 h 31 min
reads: 4 h 52 min
